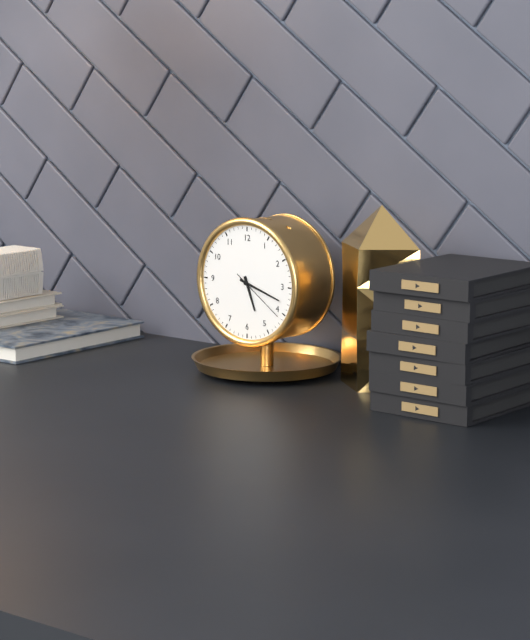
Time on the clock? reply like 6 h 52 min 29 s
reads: 5 h 18 min 21 s
